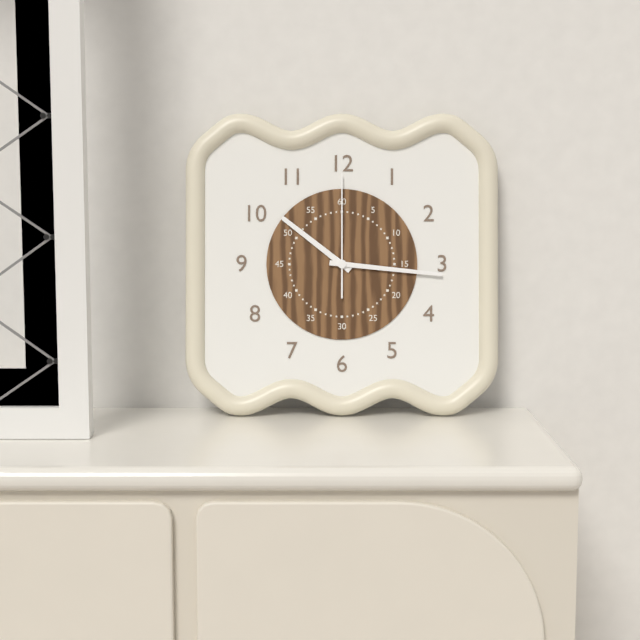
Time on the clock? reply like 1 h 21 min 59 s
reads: 10 h 16 min 00 s
